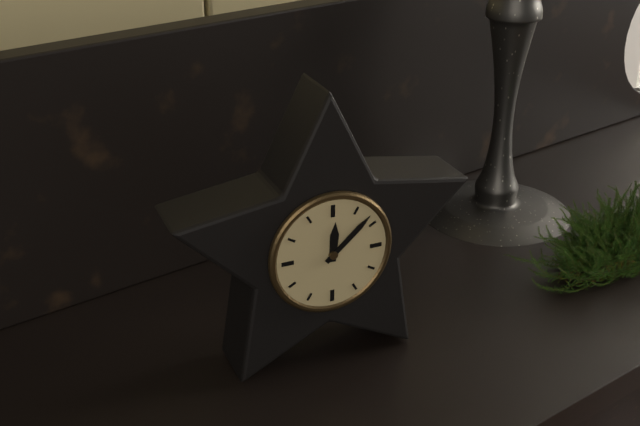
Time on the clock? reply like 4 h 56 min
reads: 12 h 08 min
